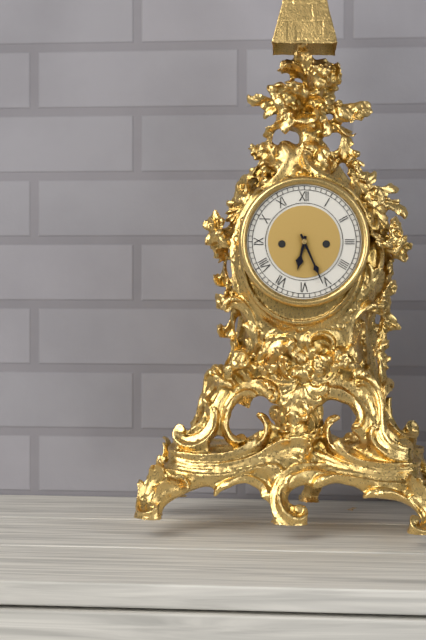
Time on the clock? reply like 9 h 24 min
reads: 6 h 26 min
